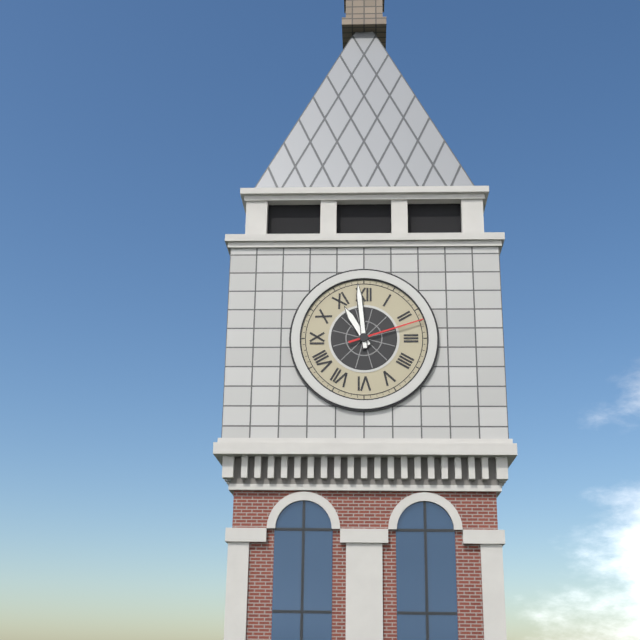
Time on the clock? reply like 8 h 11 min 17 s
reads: 10 h 59 min 12 s
